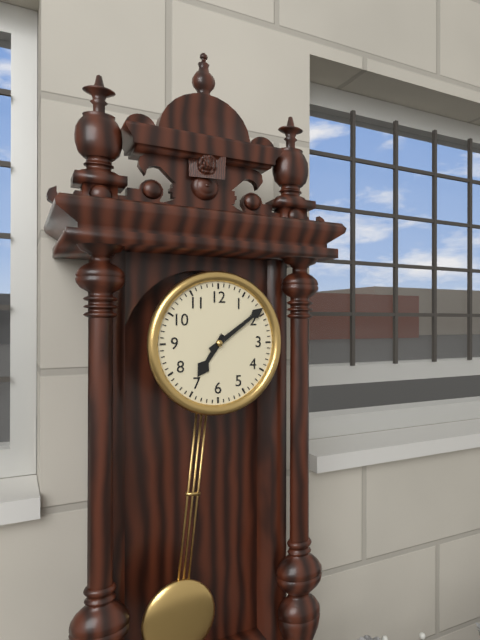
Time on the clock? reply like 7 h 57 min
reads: 7 h 09 min
